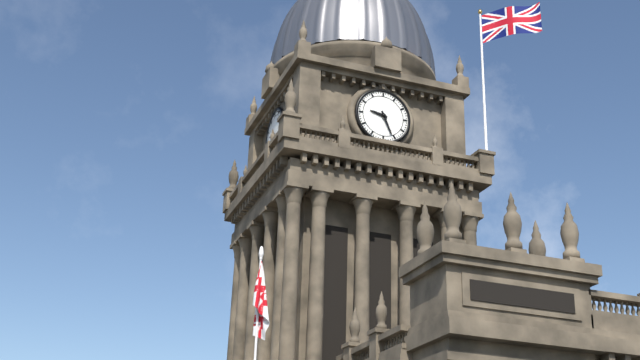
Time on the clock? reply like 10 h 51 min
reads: 9 h 26 min
